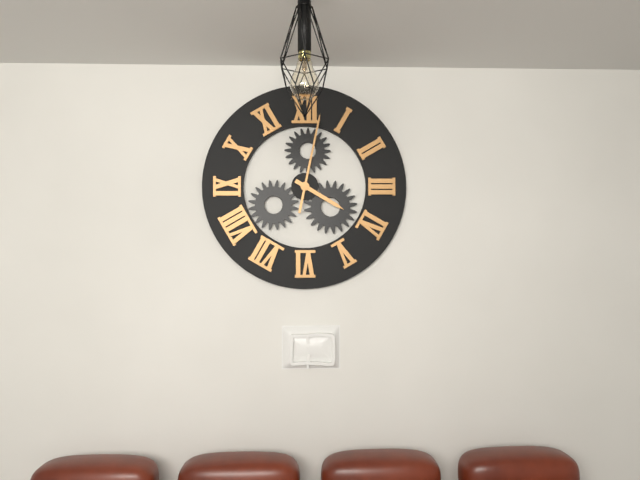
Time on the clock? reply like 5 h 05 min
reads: 4 h 02 min
